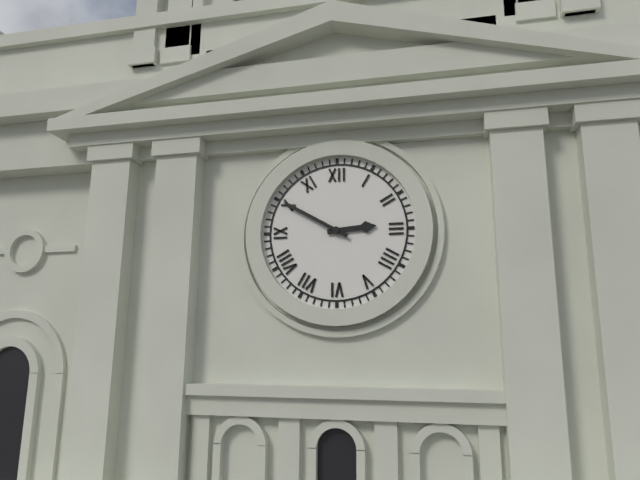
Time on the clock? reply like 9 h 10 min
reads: 2 h 50 min
